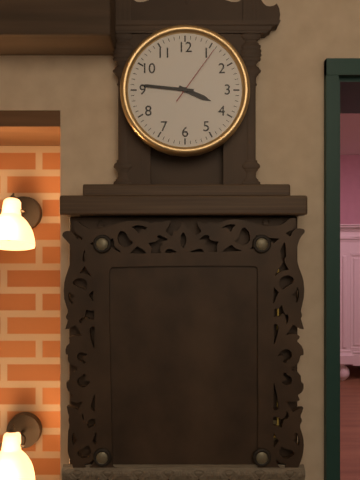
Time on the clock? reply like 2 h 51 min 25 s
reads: 3 h 46 min 06 s
